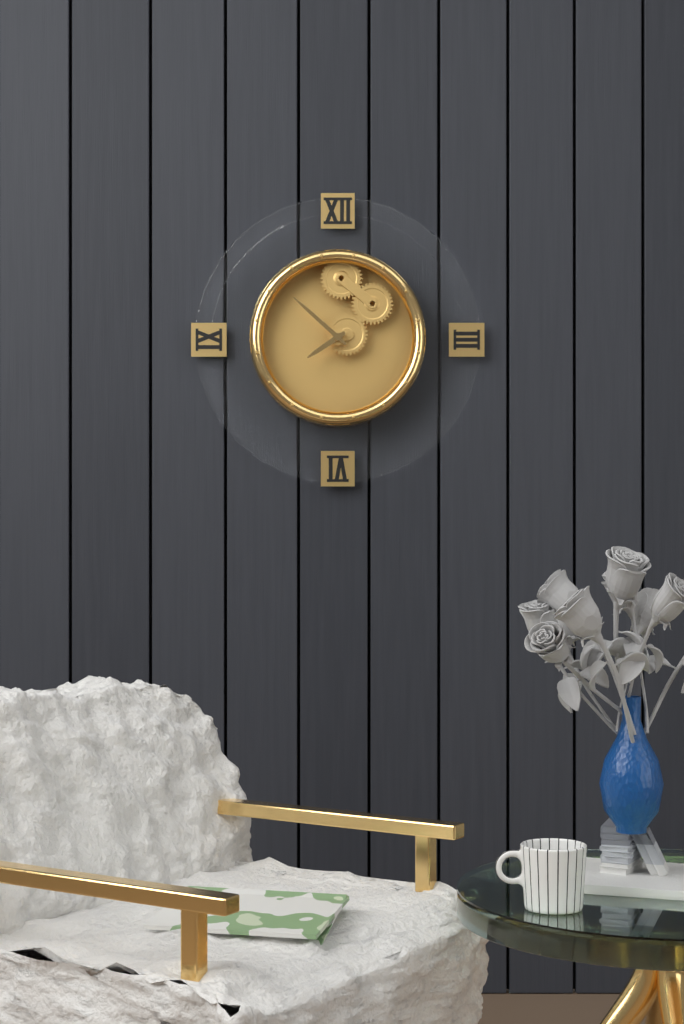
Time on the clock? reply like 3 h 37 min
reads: 7 h 52 min
